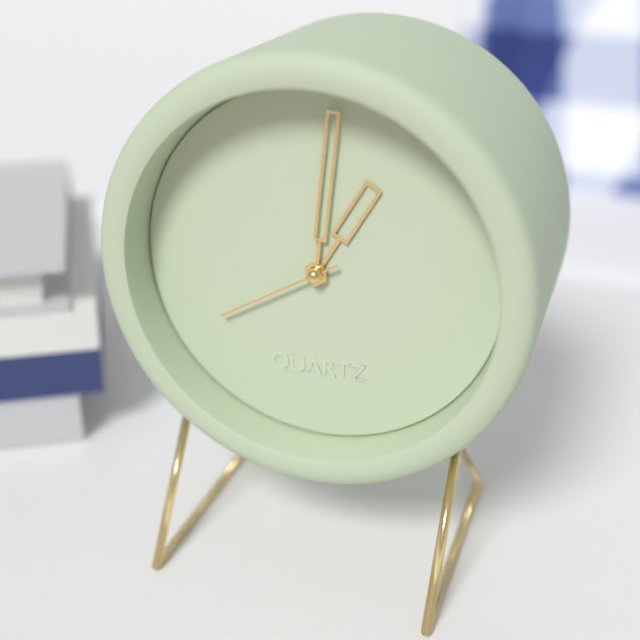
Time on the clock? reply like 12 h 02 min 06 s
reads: 1 h 01 min 40 s
